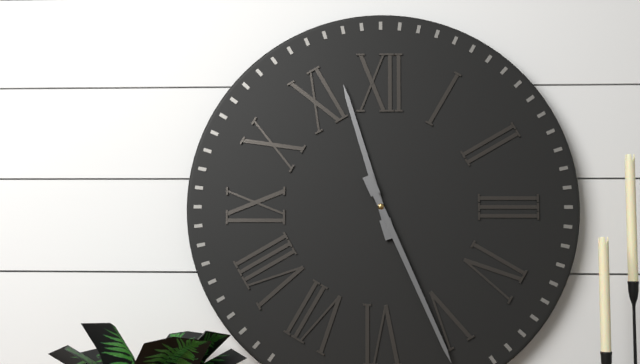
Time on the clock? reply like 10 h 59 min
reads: 11 h 26 min
